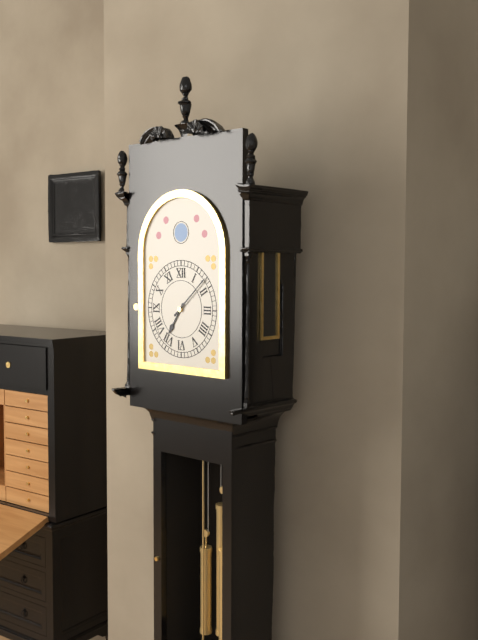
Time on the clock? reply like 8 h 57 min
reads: 7 h 08 min
